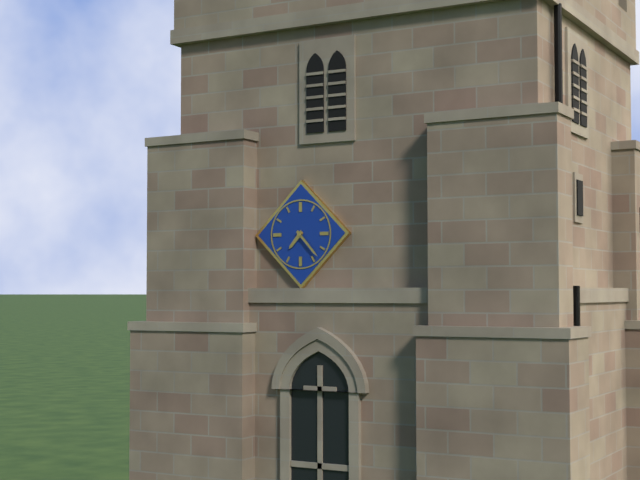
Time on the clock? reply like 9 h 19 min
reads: 7 h 23 min
